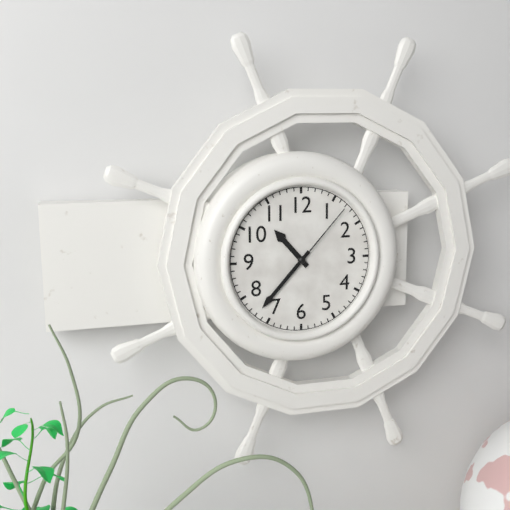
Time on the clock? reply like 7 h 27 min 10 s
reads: 10 h 37 min 07 s
